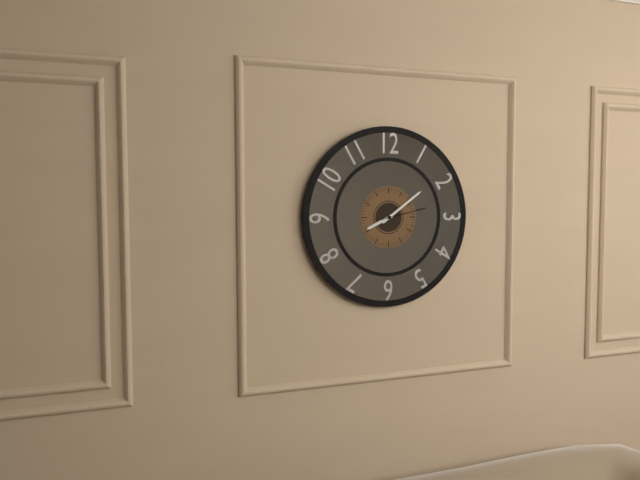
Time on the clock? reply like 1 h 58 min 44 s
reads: 8 h 09 min 13 s
